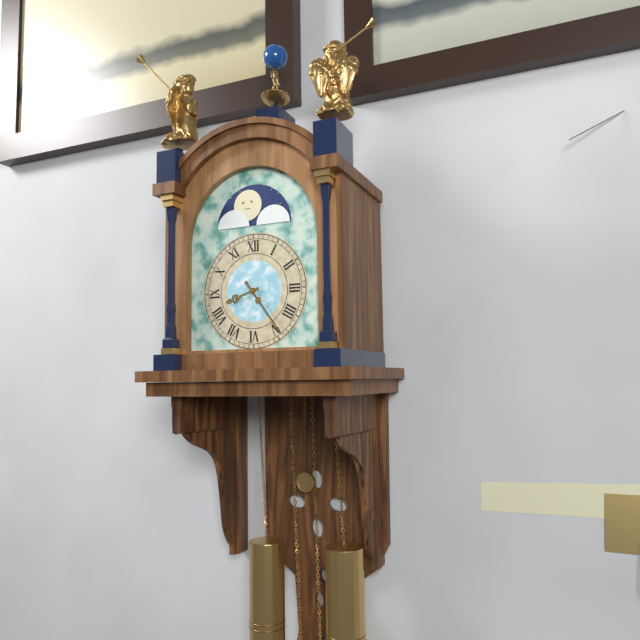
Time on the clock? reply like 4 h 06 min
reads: 8 h 24 min
